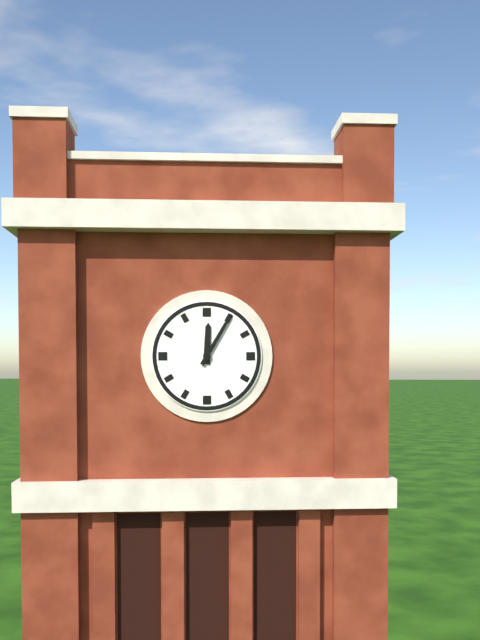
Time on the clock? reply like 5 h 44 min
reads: 12 h 05 min
